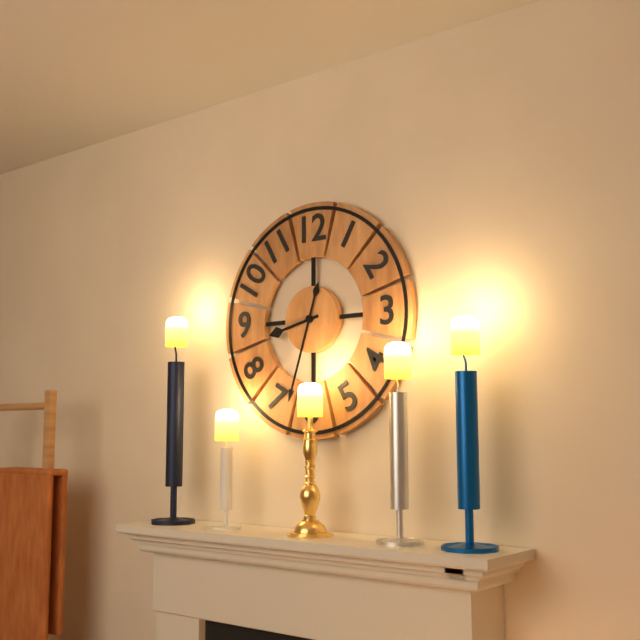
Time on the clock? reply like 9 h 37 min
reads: 8 h 33 min
